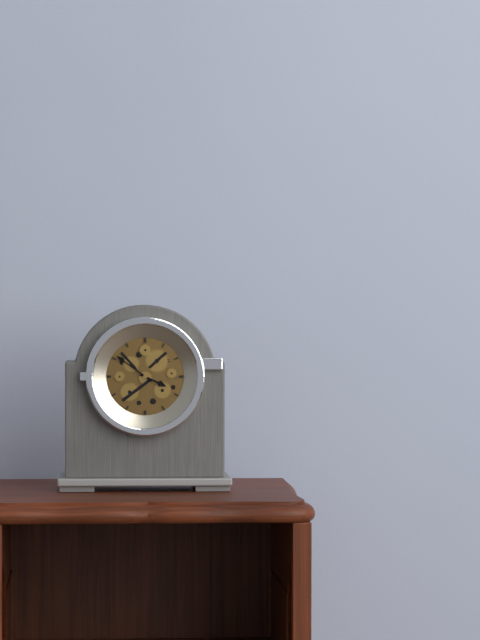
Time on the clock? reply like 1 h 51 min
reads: 3 h 51 min
